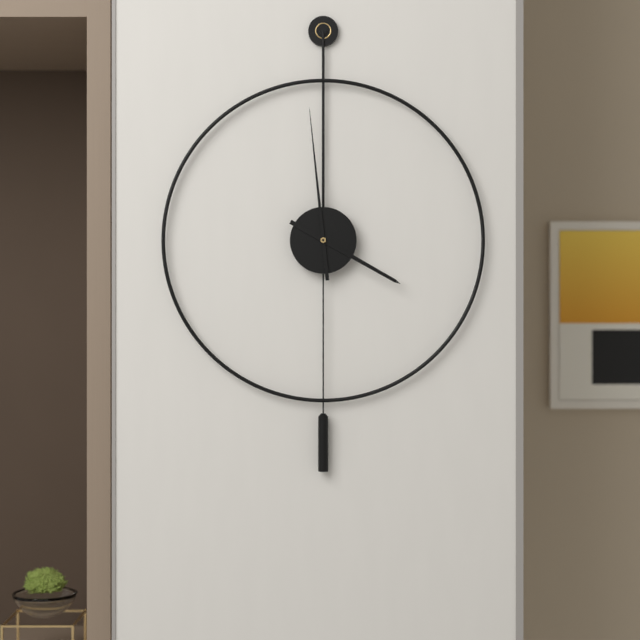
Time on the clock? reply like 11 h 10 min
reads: 3 h 59 min
